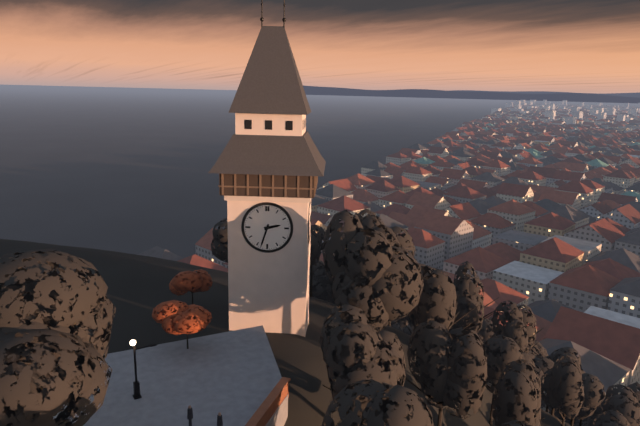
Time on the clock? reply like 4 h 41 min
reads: 2 h 33 min
